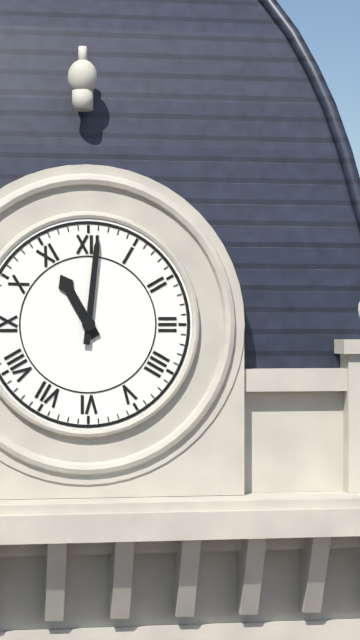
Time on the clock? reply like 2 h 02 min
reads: 11 h 01 min
